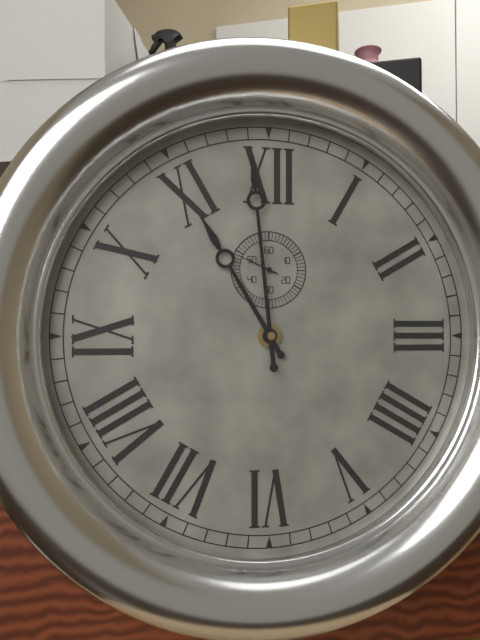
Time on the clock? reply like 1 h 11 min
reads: 10 h 59 min
